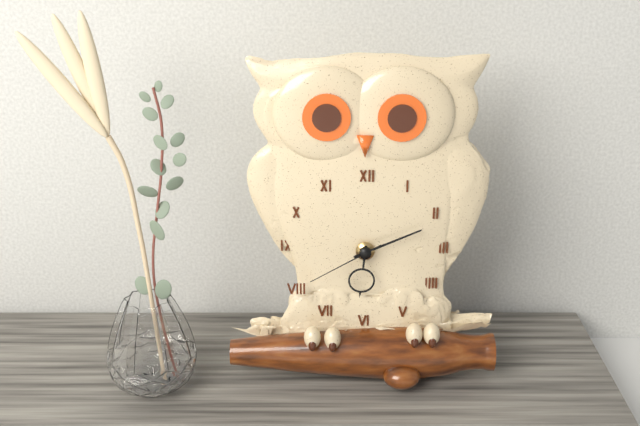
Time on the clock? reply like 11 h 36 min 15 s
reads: 6 h 11 min 40 s
